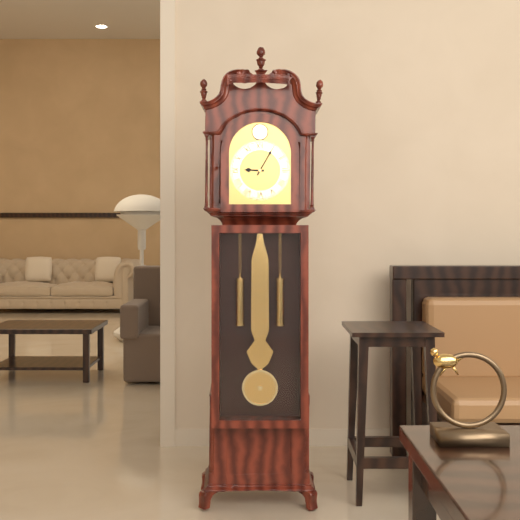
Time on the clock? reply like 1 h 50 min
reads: 9 h 05 min
